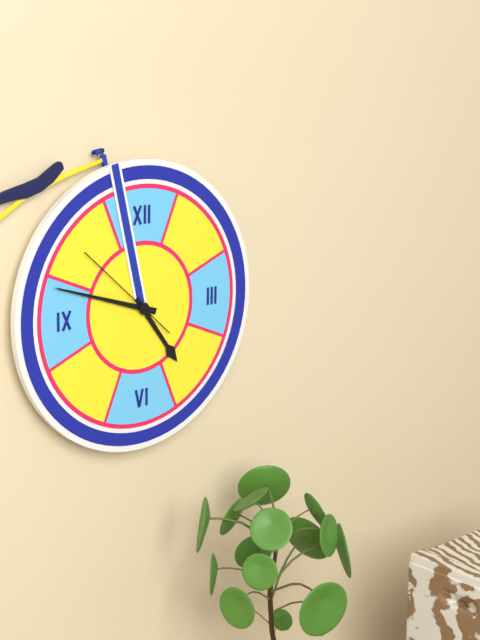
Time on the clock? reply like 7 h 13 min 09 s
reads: 4 h 48 min 52 s
